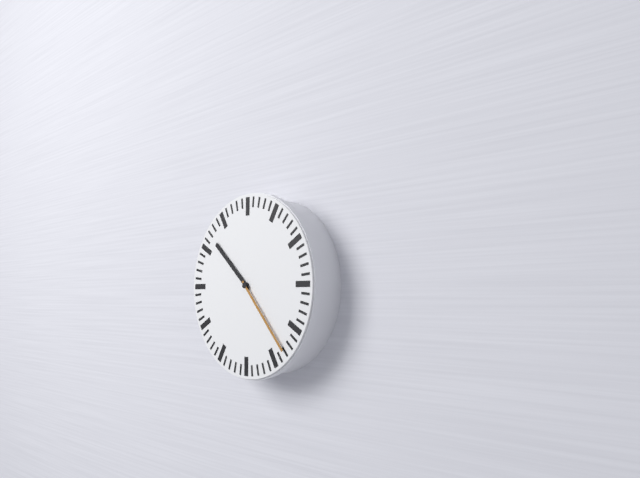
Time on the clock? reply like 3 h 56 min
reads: 10 h 23 min
